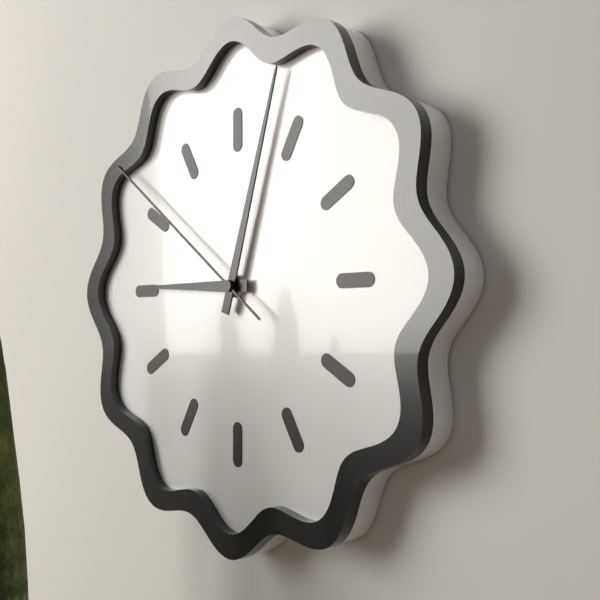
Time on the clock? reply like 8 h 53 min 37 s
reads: 9 h 03 min 51 s
